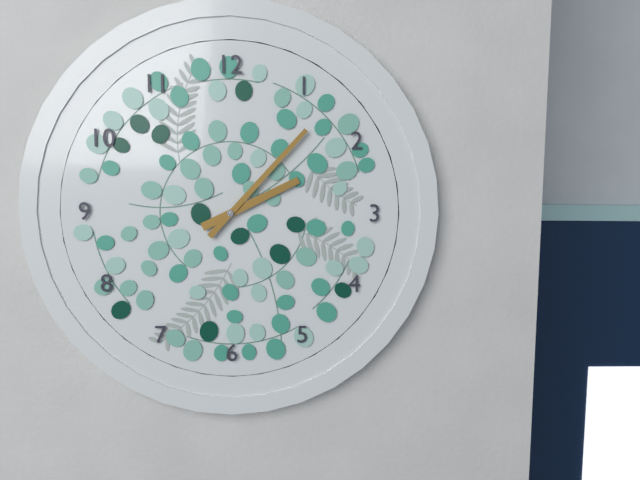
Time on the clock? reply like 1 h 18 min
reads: 2 h 07 min
